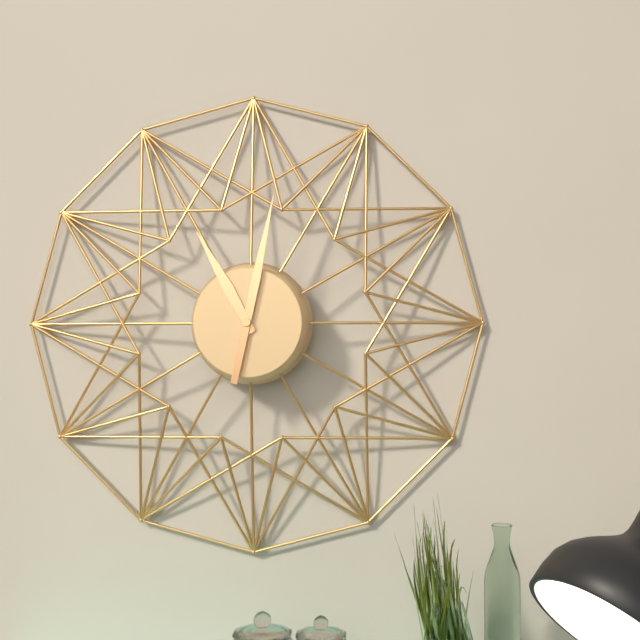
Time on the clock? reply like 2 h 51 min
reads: 11 h 02 min
